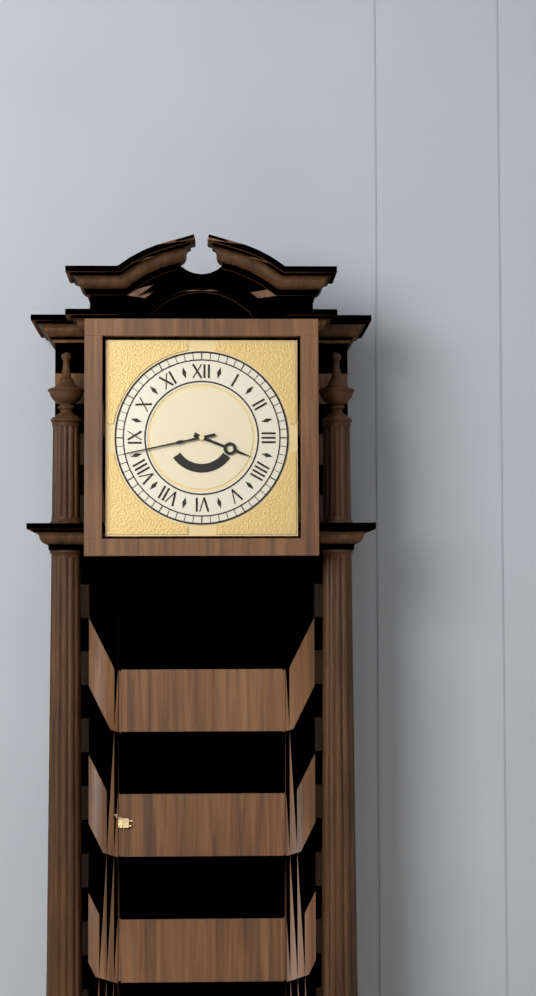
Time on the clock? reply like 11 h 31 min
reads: 3 h 43 min
